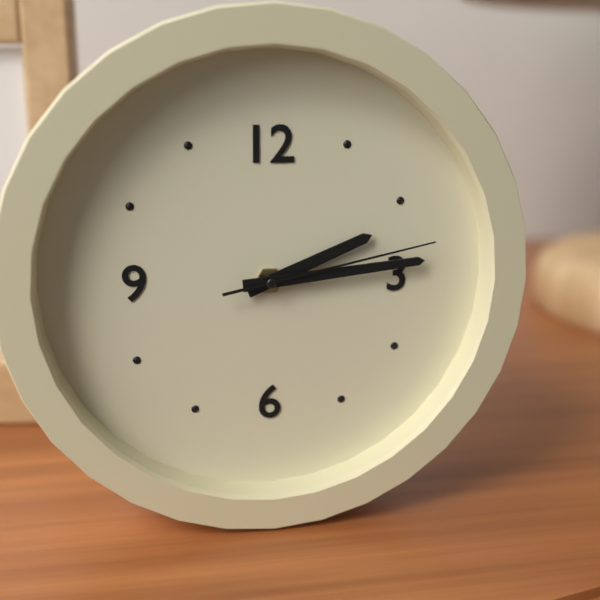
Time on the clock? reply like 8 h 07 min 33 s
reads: 2 h 14 min 13 s
